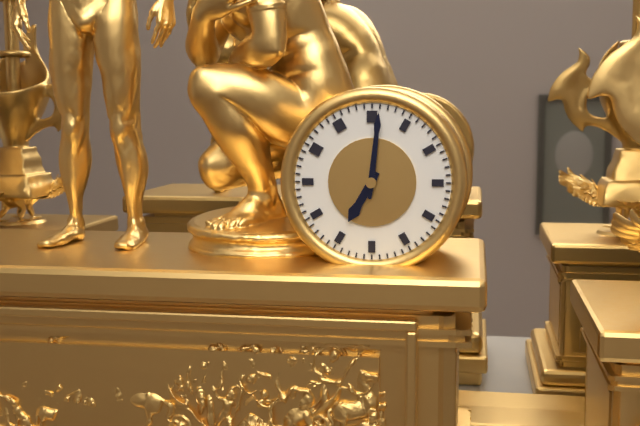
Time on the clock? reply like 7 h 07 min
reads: 7 h 01 min
